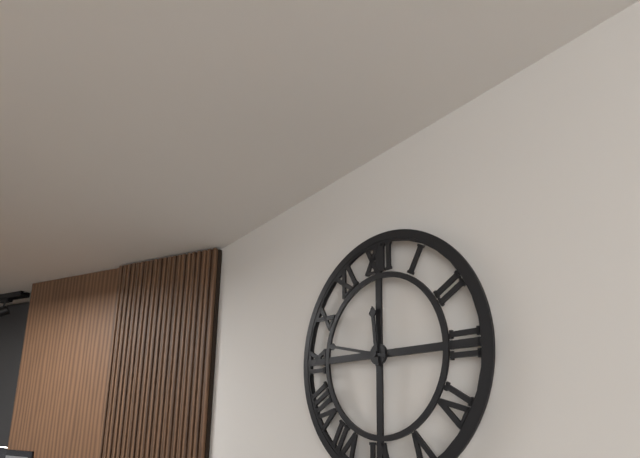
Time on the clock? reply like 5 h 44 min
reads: 11 h 47 min
